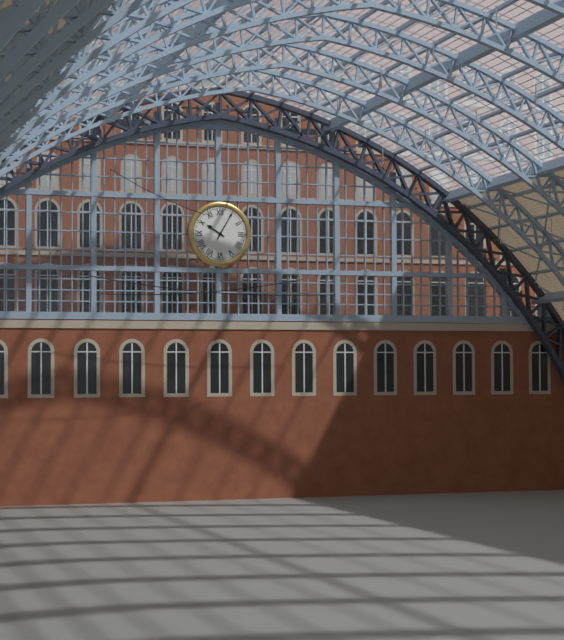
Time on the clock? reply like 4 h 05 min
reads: 10 h 05 min
